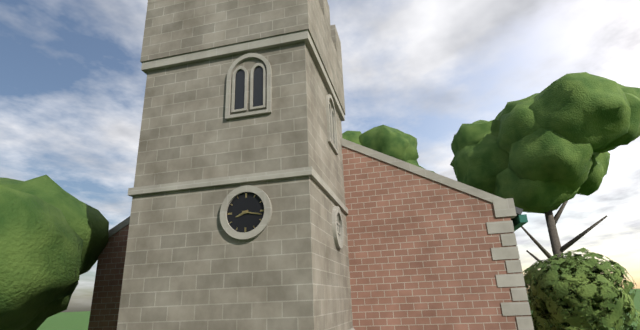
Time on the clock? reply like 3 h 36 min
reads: 8 h 17 min
